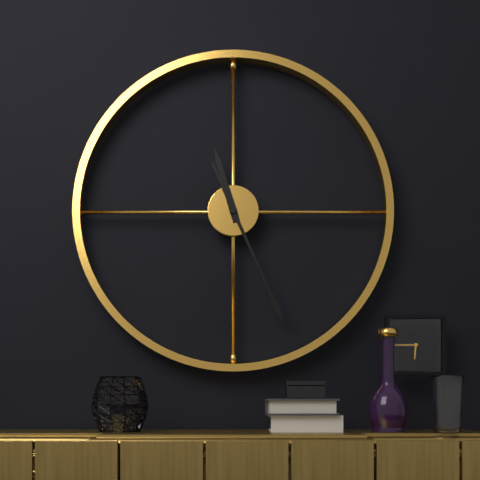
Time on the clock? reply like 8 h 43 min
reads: 11 h 26 min
